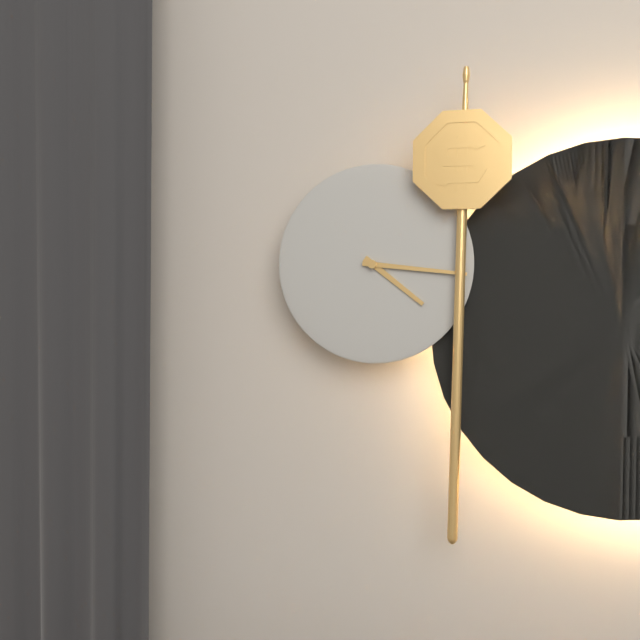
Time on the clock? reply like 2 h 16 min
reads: 4 h 16 min
